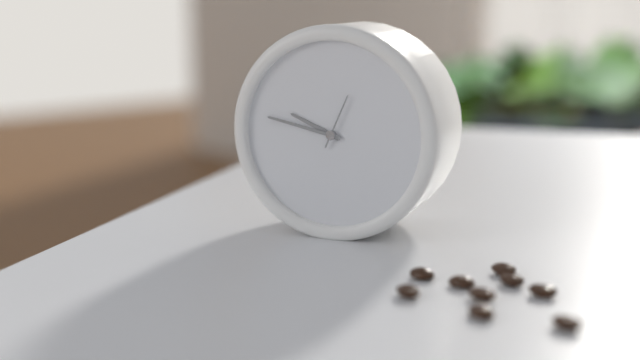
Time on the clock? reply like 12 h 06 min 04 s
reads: 9 h 47 min 04 s
